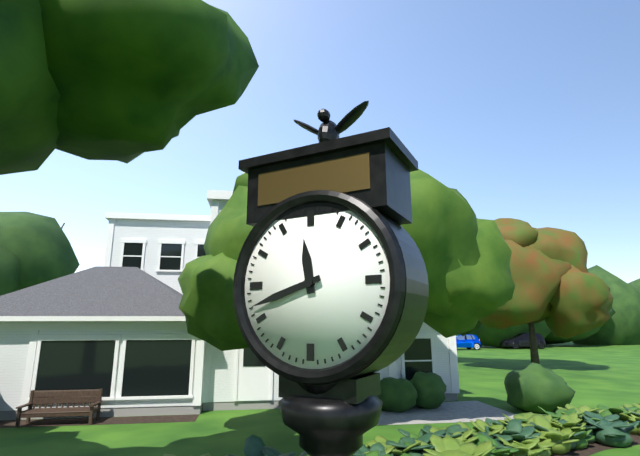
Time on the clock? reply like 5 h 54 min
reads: 11 h 42 min
